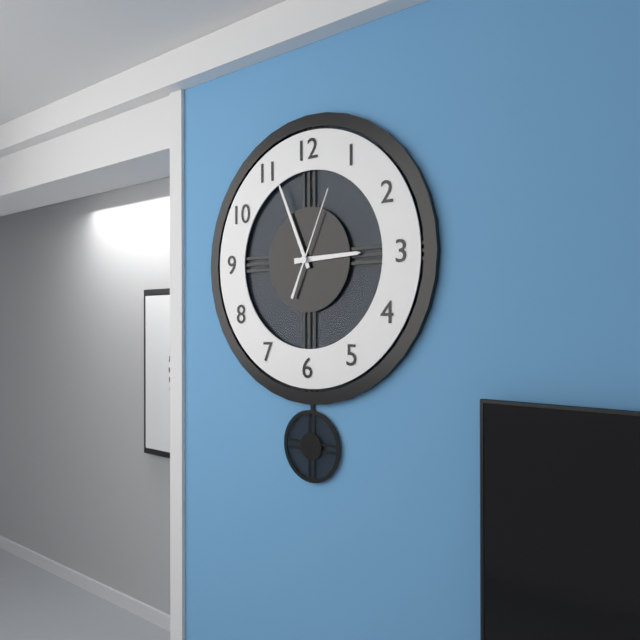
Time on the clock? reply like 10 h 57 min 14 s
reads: 2 h 56 min 04 s
